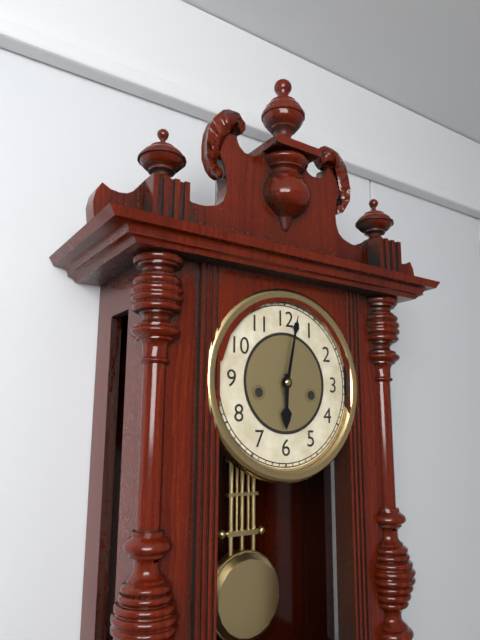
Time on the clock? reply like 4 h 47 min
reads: 6 h 02 min
